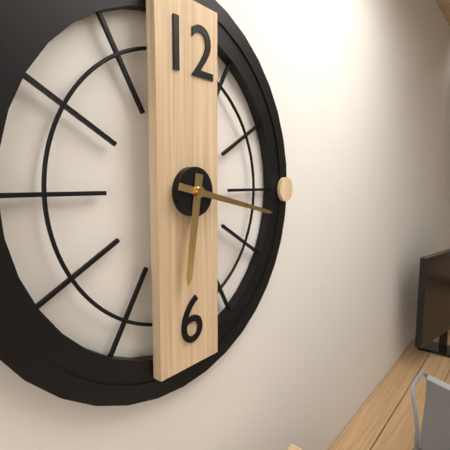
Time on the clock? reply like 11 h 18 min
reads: 6 h 17 min
